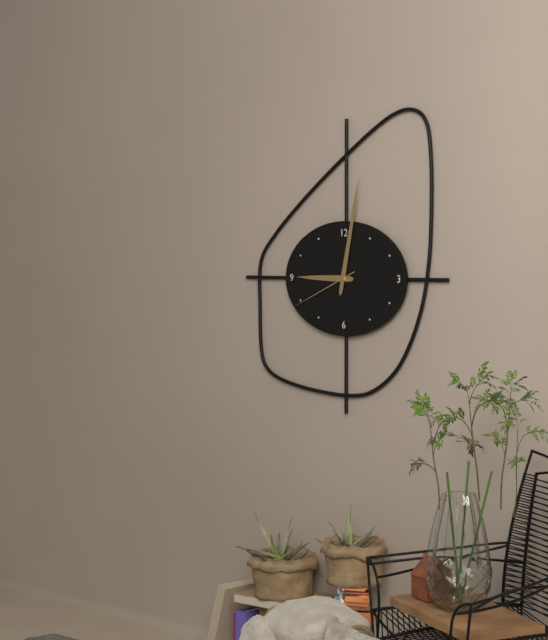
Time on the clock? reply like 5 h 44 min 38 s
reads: 9 h 02 min 41 s
